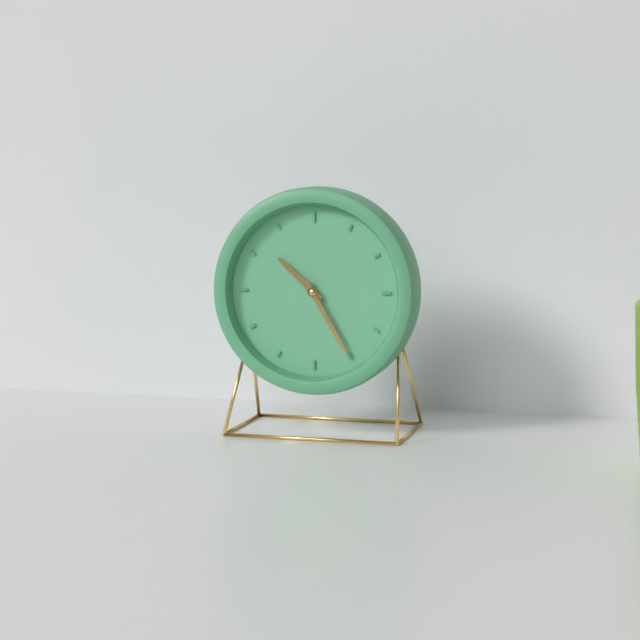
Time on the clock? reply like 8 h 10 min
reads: 10 h 25 min
